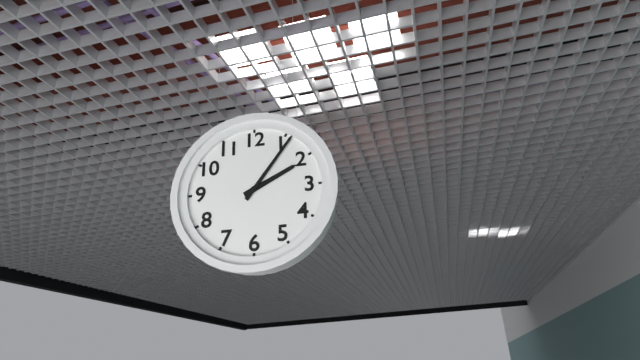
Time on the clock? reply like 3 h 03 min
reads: 2 h 06 min
